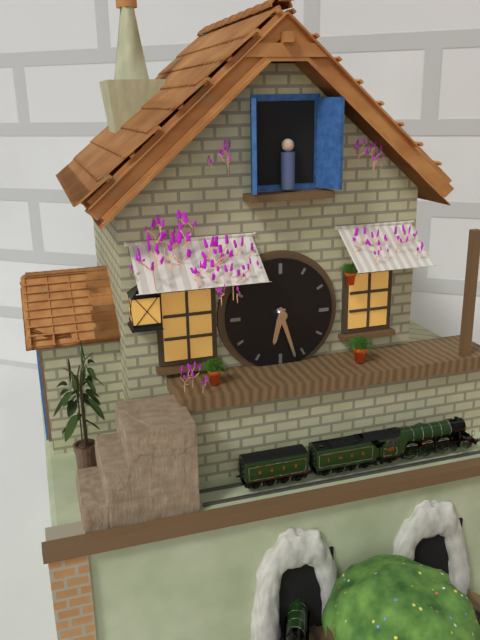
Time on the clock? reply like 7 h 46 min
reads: 6 h 27 min
